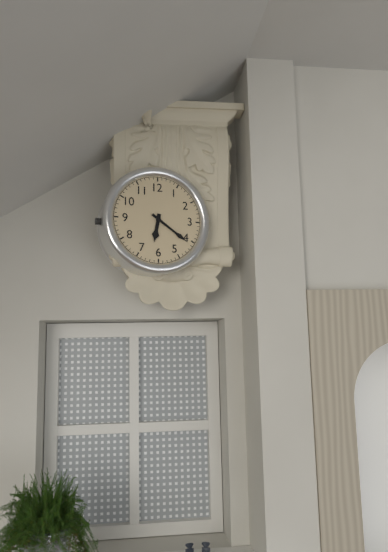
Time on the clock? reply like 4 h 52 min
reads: 6 h 21 min
